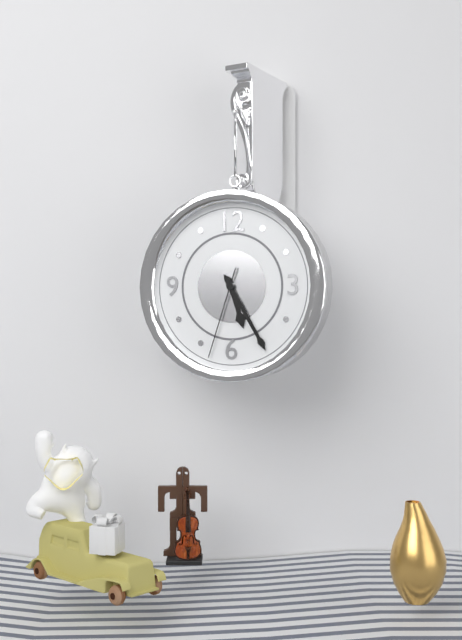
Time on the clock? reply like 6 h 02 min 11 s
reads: 5 h 25 min 33 s
